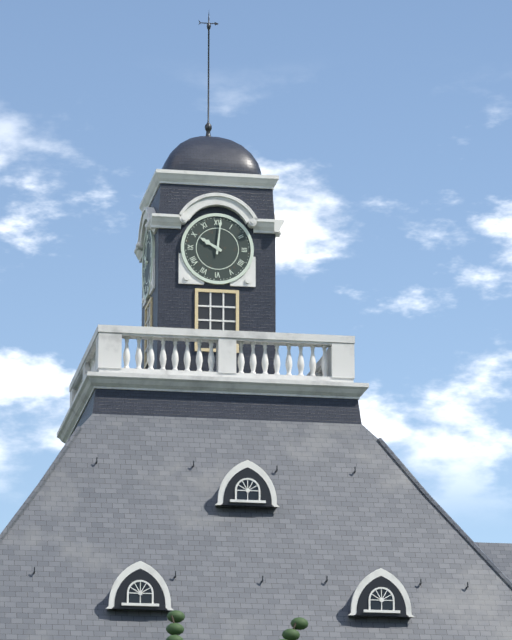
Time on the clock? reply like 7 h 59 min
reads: 10 h 01 min
